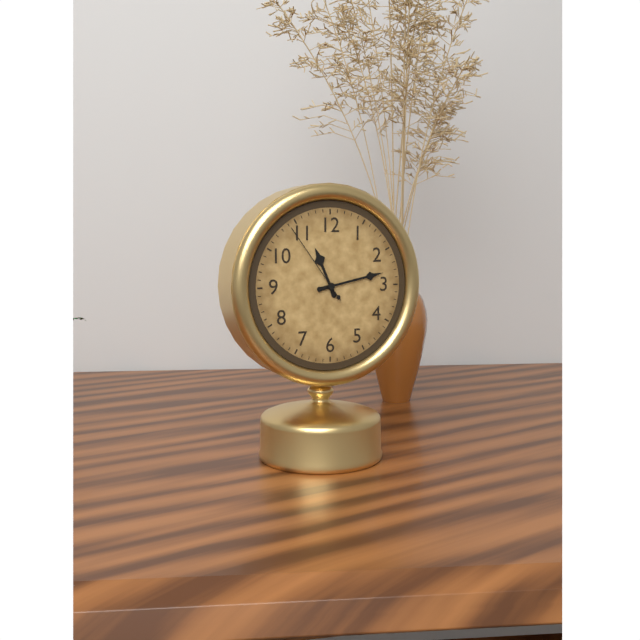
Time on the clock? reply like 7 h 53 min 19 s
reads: 11 h 13 min 54 s
